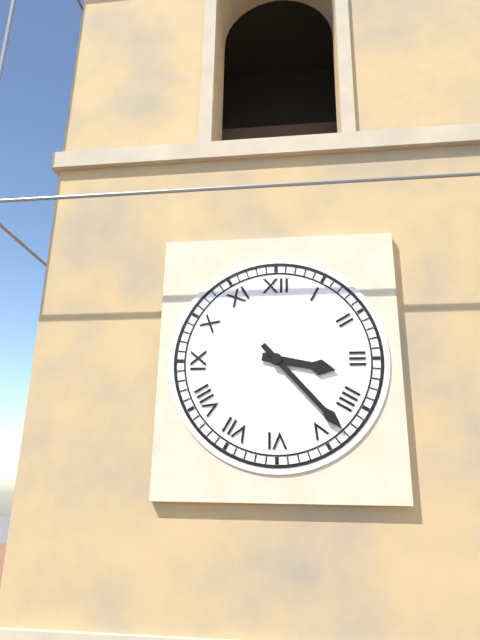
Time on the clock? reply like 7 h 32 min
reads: 3 h 23 min
